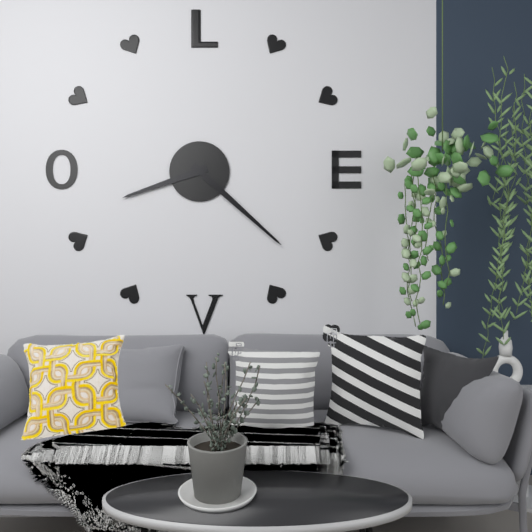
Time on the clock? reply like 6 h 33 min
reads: 8 h 22 min
